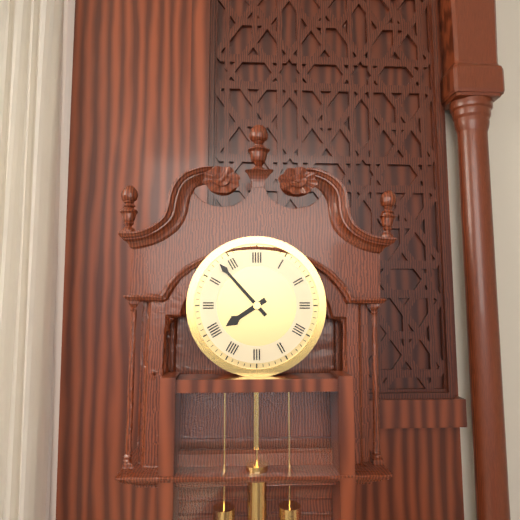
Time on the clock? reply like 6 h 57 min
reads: 7 h 53 min
